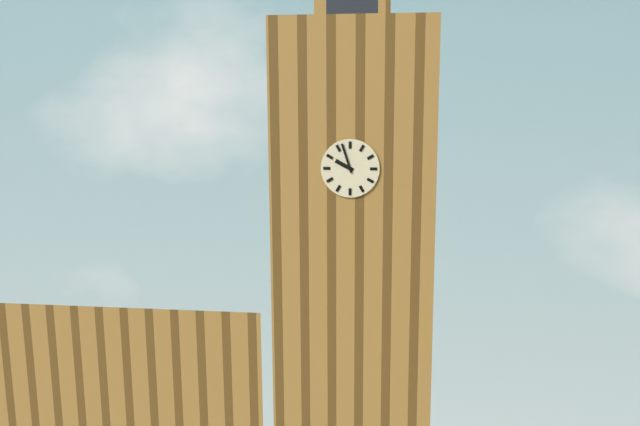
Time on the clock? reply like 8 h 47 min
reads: 9 h 57 min
